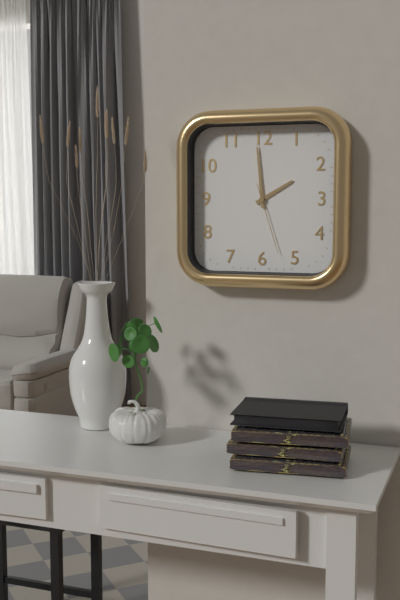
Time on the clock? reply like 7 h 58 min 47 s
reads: 1 h 59 min 27 s
